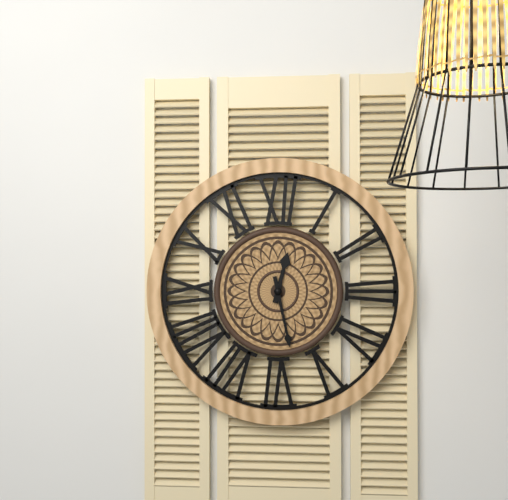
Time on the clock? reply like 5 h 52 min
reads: 12 h 28 min
